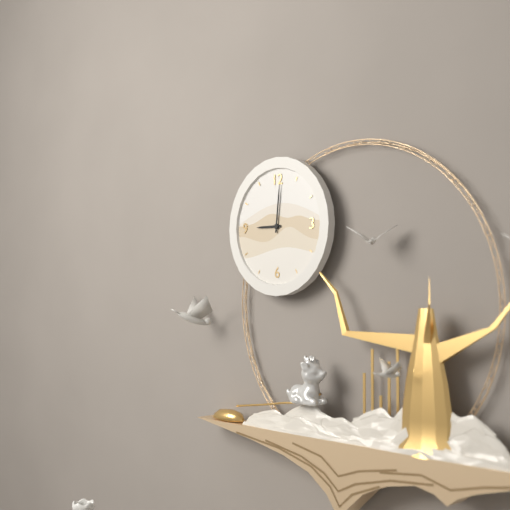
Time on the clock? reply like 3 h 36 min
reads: 9 h 01 min
